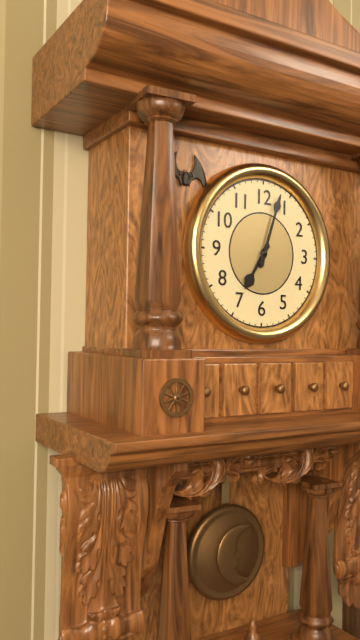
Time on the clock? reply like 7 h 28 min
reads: 7 h 03 min
